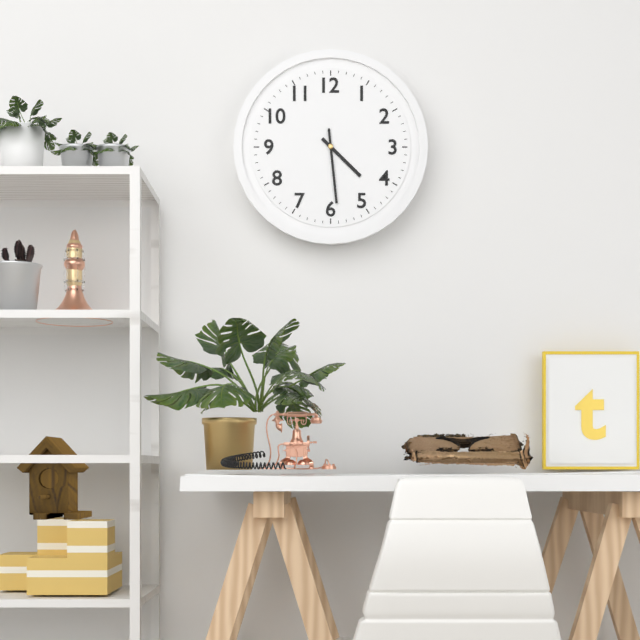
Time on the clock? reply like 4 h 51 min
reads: 4 h 29 min
